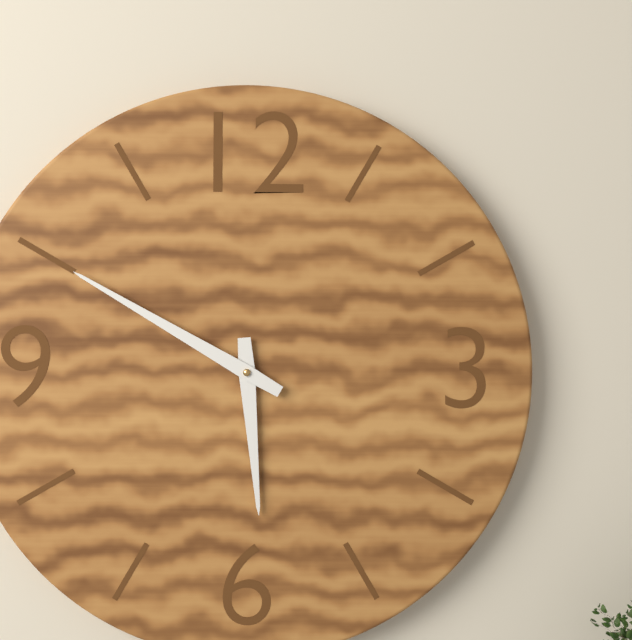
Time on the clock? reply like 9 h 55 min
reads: 5 h 50 min
